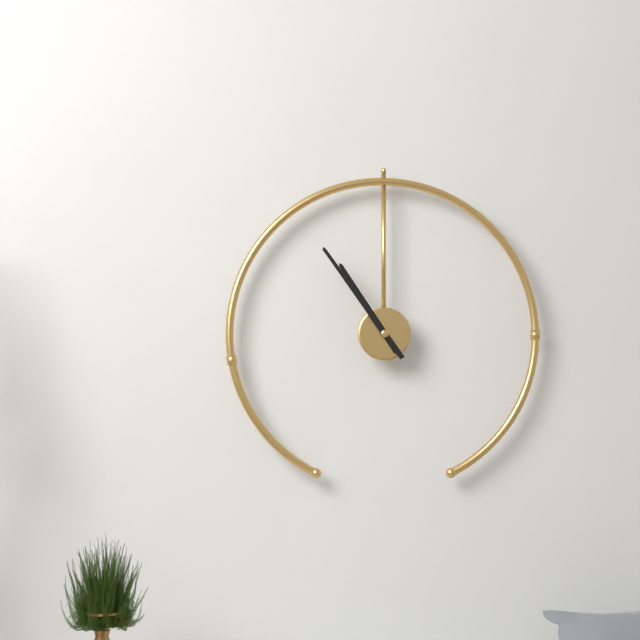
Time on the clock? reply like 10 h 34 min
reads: 10 h 54 min
